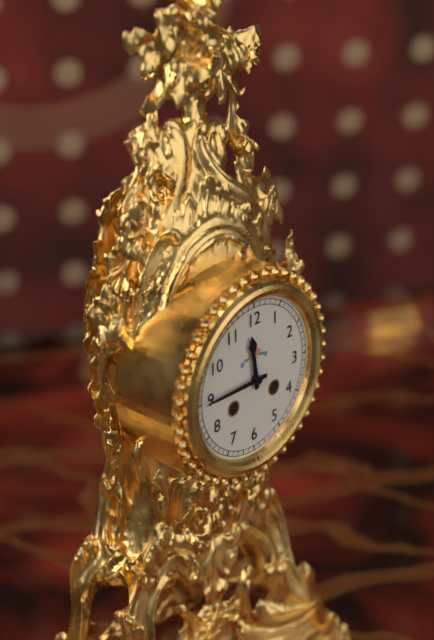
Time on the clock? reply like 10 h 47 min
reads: 11 h 45 min
